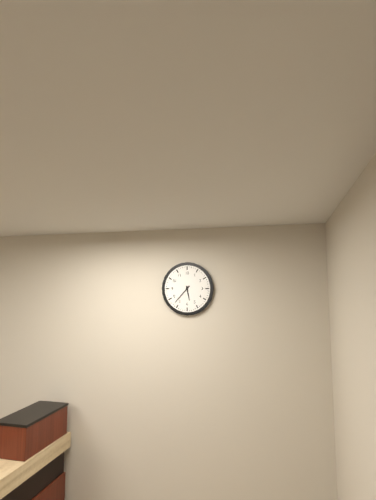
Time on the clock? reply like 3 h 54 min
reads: 5 h 37 min
